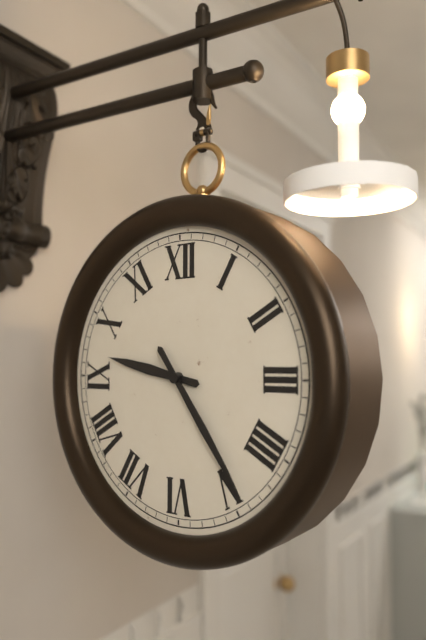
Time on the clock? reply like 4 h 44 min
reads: 9 h 24 min
